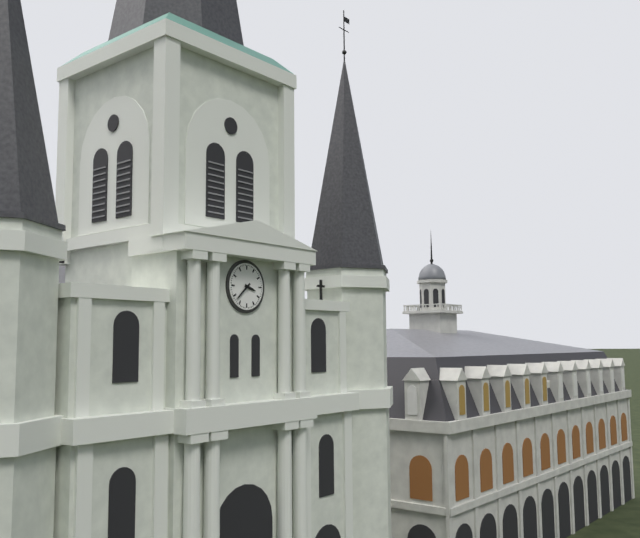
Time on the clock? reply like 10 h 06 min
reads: 3 h 38 min
